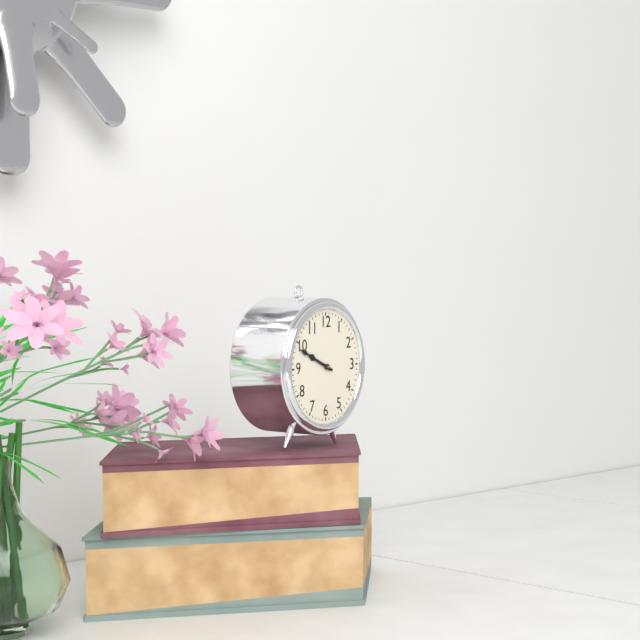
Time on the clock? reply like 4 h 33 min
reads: 9 h 49 min
